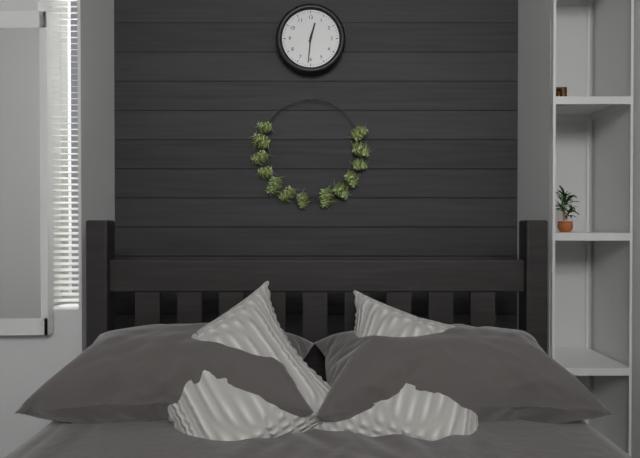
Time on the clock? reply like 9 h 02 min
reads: 12 h 31 min
